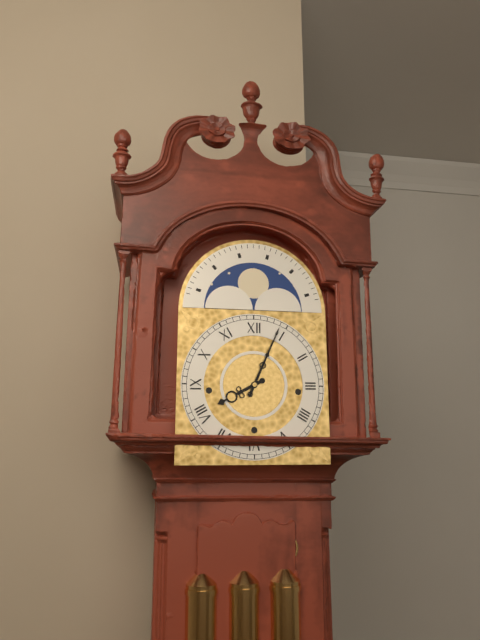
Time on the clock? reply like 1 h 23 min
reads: 8 h 04 min
